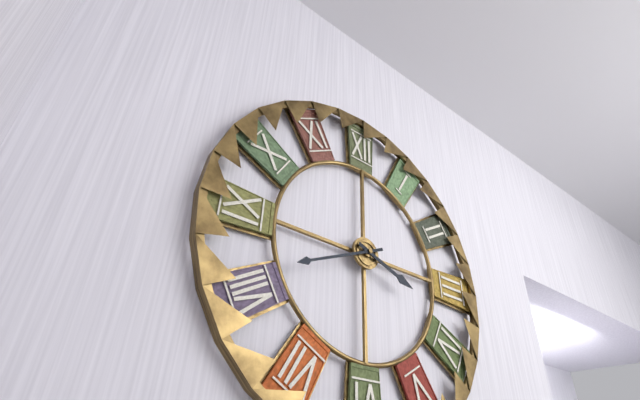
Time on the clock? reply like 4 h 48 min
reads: 3 h 41 min
